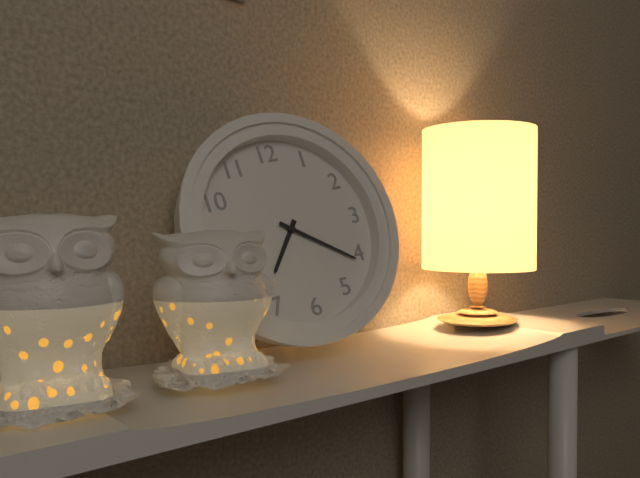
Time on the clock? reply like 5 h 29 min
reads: 7 h 21 min
